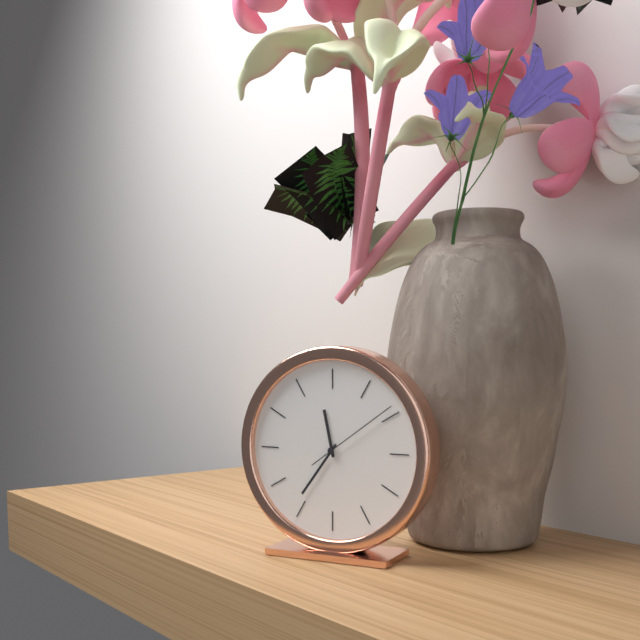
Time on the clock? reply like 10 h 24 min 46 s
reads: 11 h 36 min 09 s
